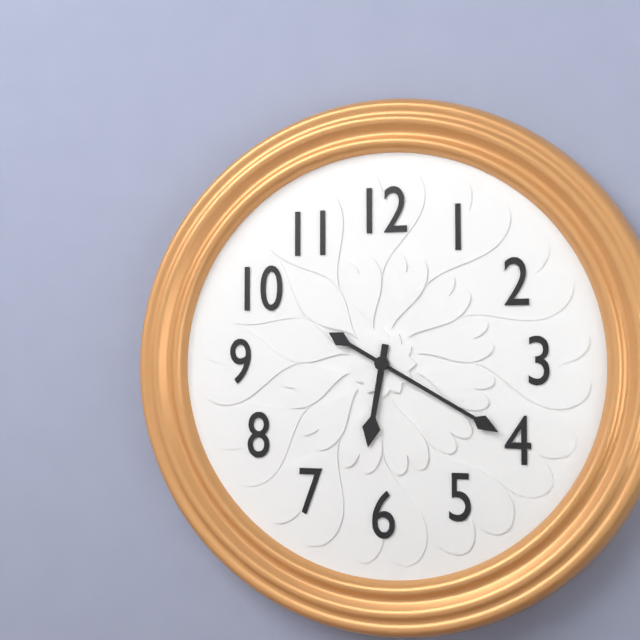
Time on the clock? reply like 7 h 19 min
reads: 6 h 20 min
